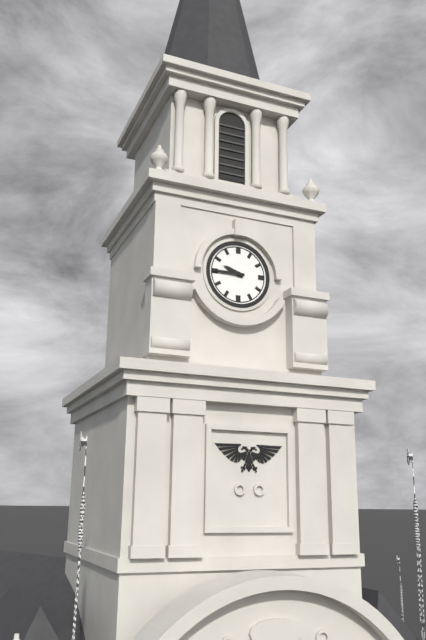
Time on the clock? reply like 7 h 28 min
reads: 9 h 45 min
